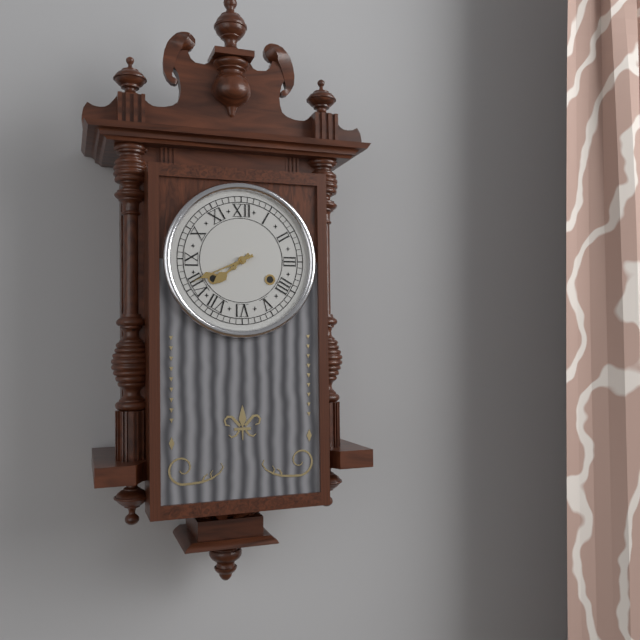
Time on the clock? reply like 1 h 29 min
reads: 7 h 41 min
